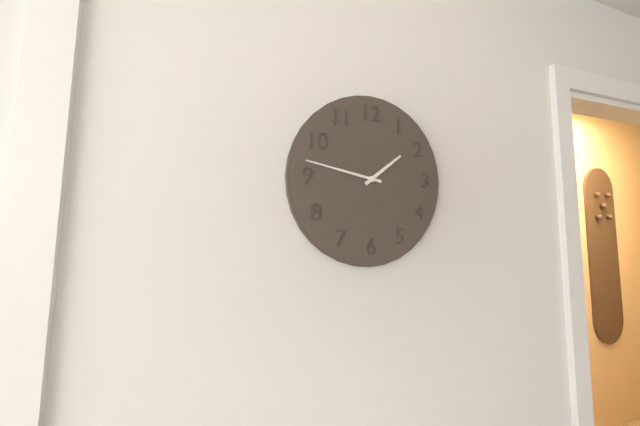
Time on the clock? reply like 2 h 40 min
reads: 1 h 47 min
